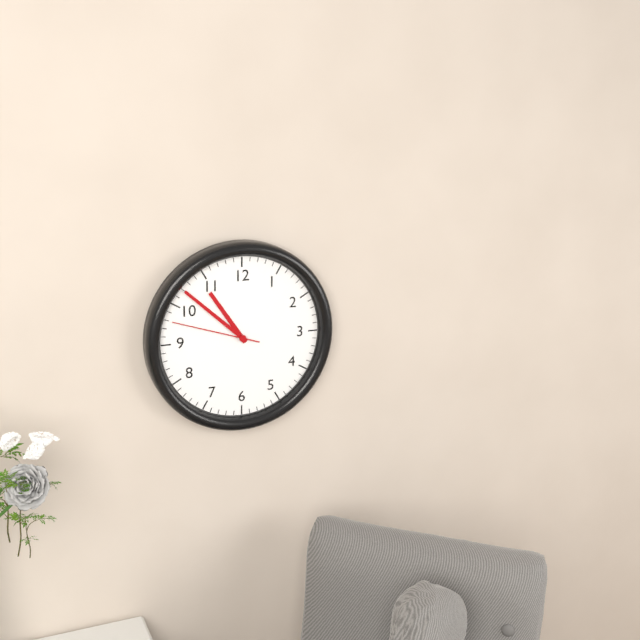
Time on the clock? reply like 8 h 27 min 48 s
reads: 10 h 52 min 48 s
